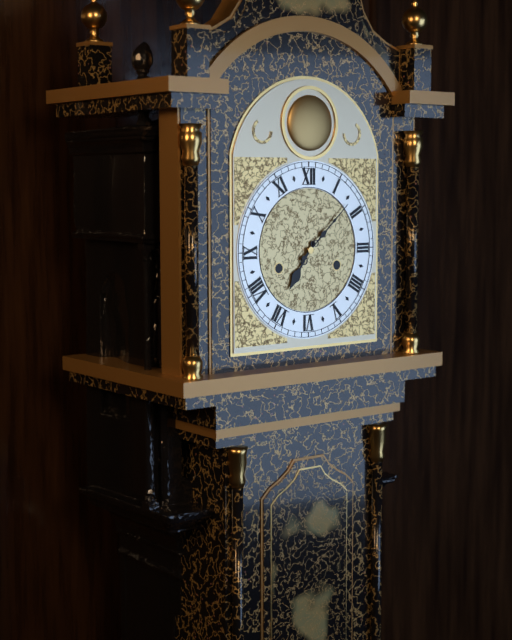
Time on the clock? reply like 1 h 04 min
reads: 7 h 08 min
